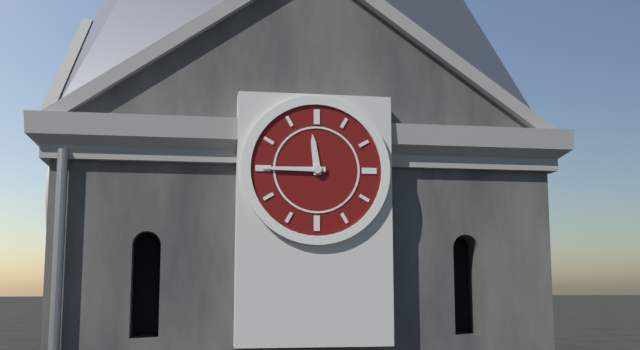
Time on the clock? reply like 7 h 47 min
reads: 11 h 45 min
